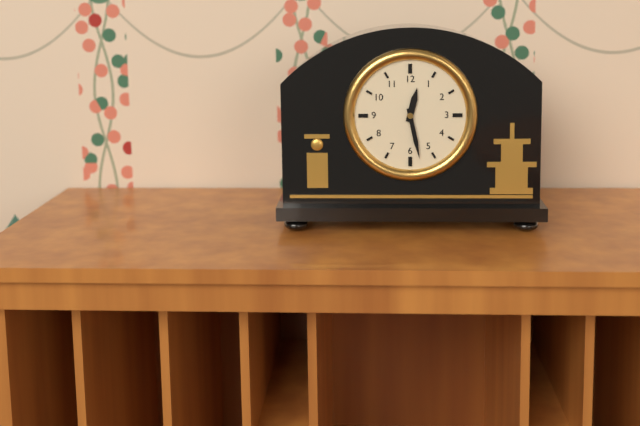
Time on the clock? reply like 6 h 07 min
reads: 12 h 28 min
